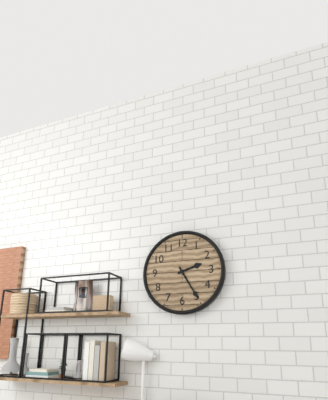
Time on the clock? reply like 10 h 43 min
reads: 2 h 25 min
